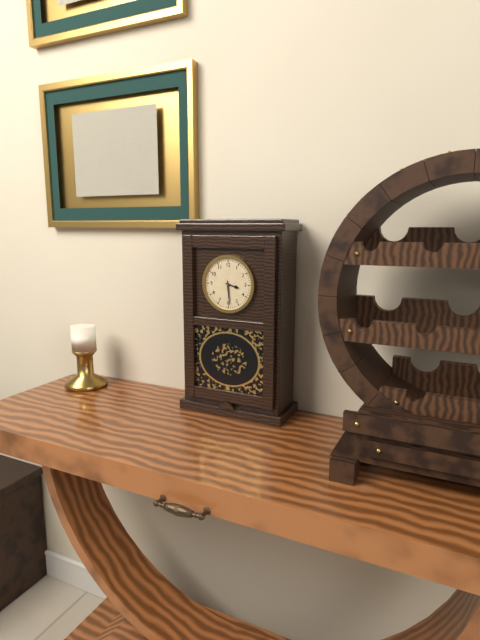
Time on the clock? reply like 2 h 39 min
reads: 3 h 29 min
